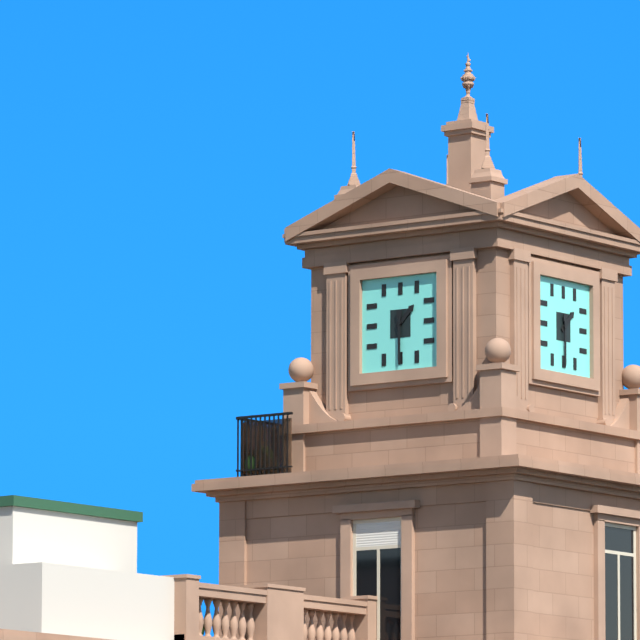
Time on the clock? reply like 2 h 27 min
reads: 1 h 30 min
